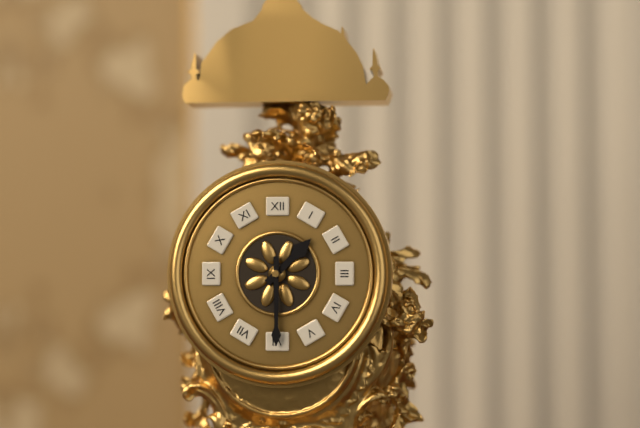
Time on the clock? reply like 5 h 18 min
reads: 1 h 30 min
